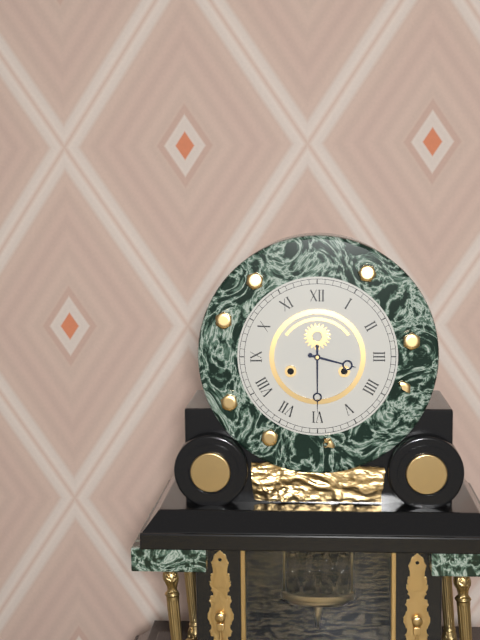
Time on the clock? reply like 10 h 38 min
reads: 3 h 30 min
